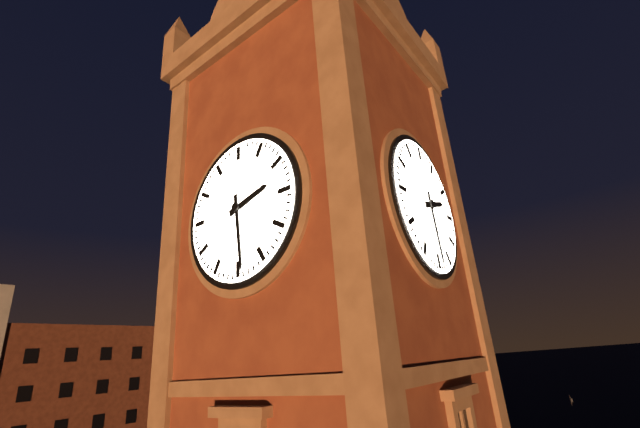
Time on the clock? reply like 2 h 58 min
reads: 2 h 29 min
